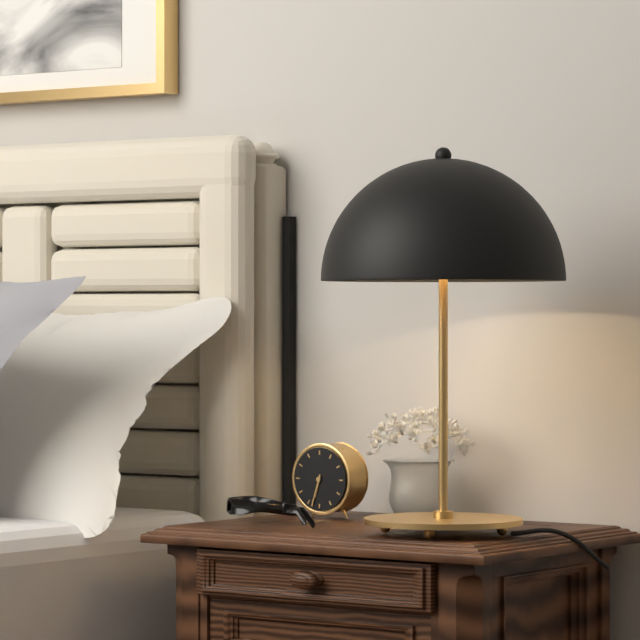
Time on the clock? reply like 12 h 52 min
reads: 6 h 33 min
